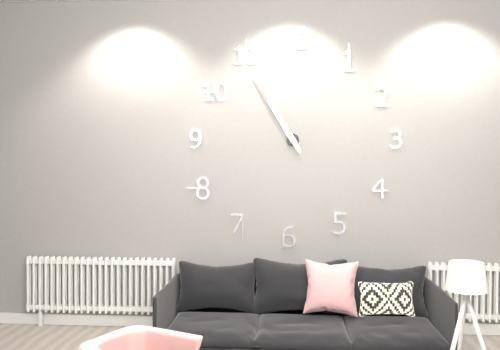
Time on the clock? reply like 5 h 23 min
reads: 10 h 55 min
